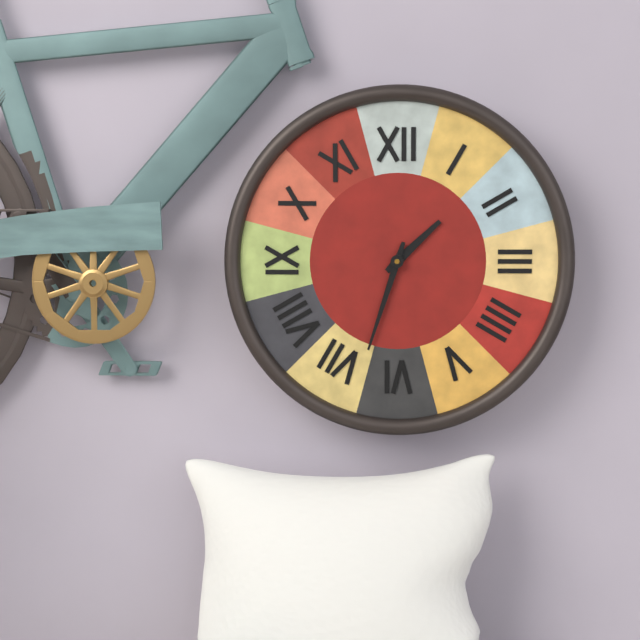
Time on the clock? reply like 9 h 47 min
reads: 1 h 33 min
